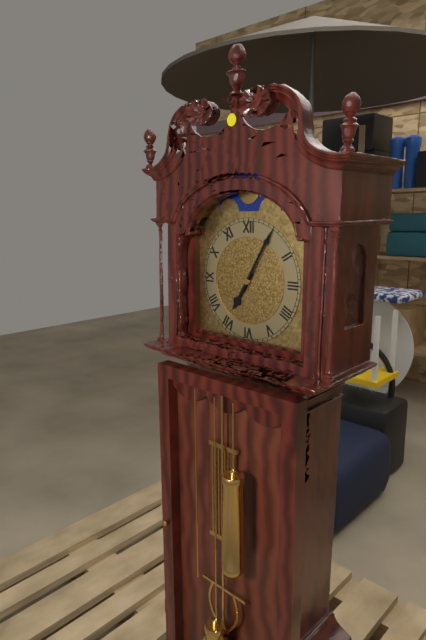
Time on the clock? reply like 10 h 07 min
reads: 7 h 05 min
